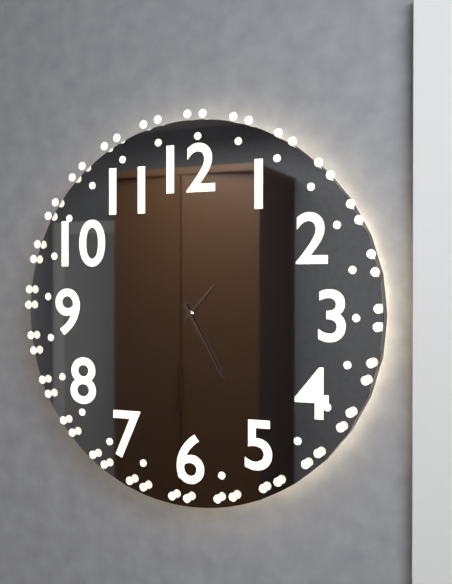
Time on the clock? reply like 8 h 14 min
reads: 1 h 25 min
